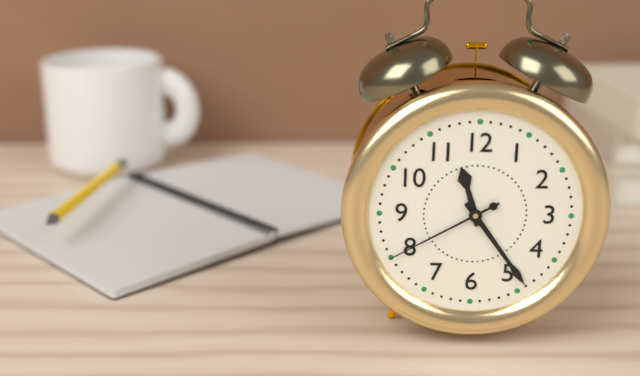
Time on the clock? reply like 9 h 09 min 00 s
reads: 11 h 24 min 40 s
